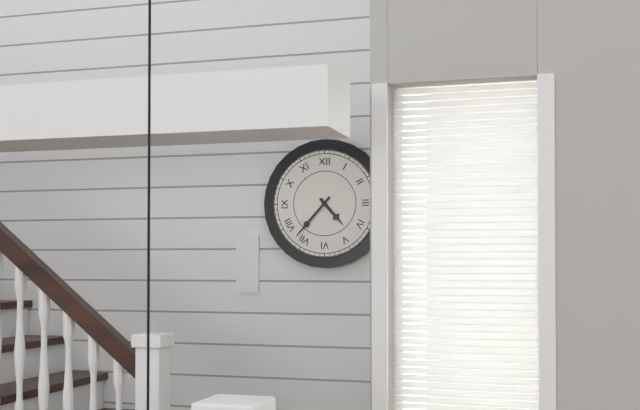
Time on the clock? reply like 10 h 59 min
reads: 4 h 37 min
